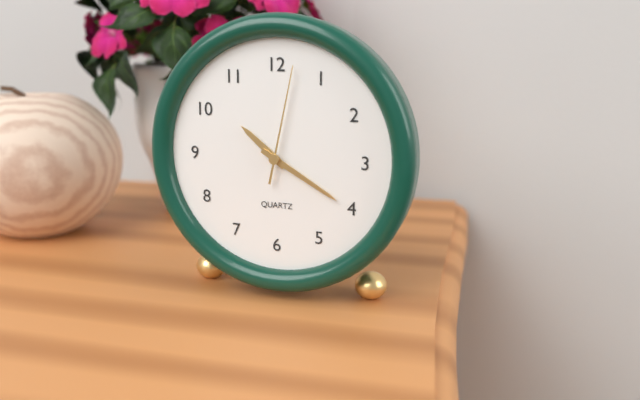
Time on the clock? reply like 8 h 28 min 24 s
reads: 10 h 20 min 02 s
